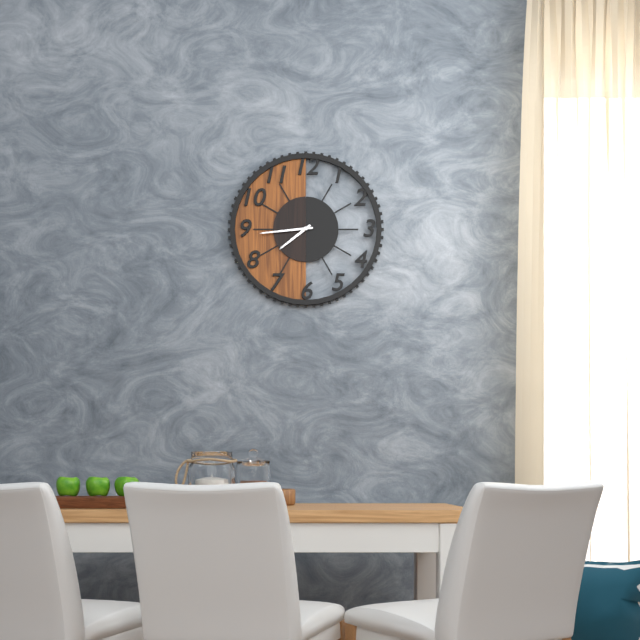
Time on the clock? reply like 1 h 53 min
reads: 7 h 44 min
